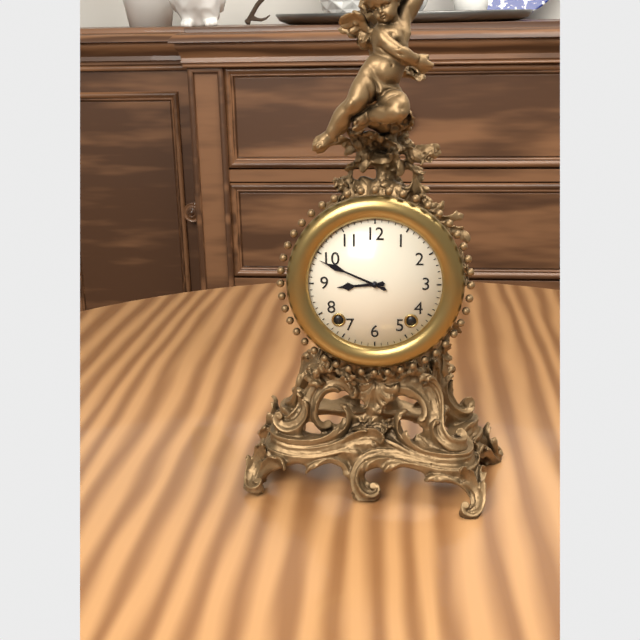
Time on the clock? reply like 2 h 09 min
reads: 8 h 49 min
